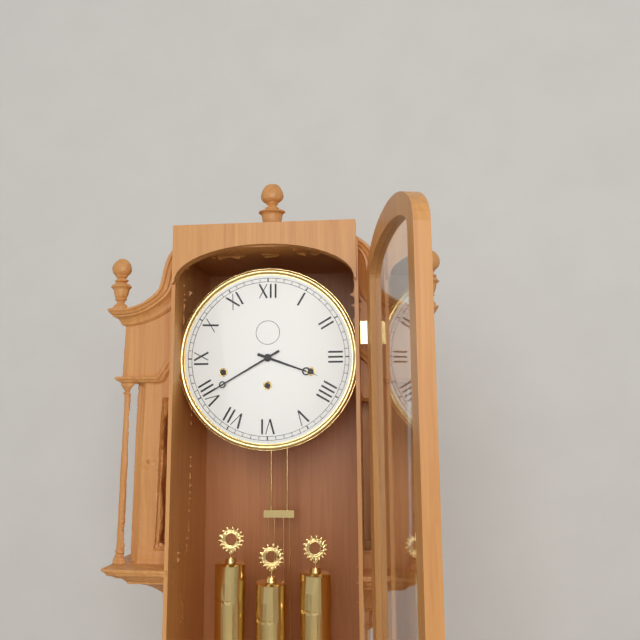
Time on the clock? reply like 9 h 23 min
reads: 3 h 40 min
